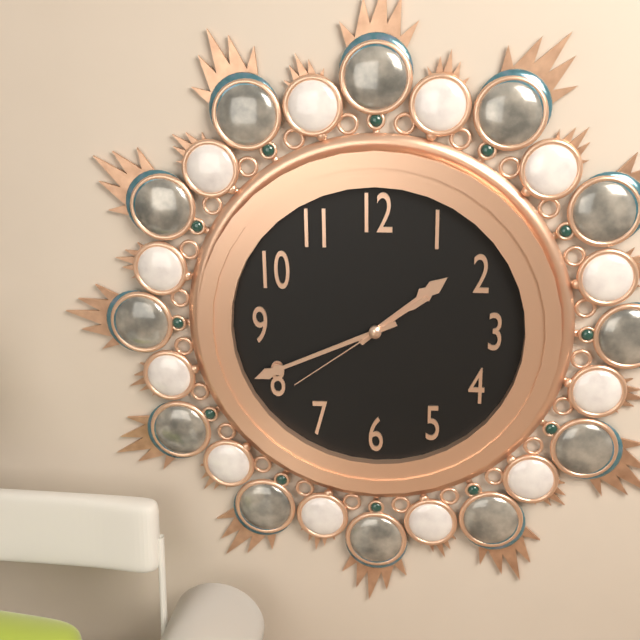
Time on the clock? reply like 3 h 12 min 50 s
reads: 1 h 41 min 39 s
